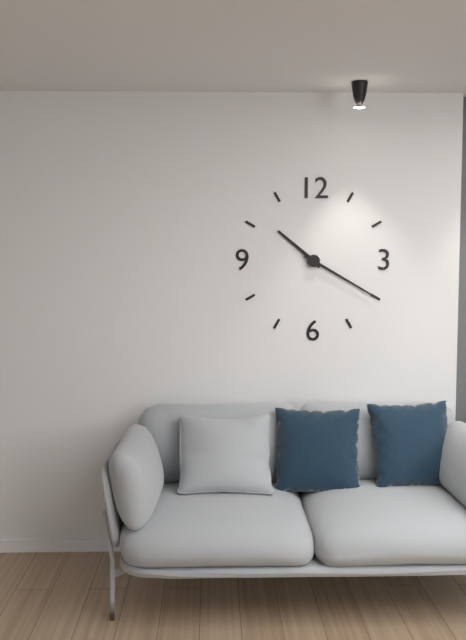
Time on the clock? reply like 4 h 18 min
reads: 10 h 20 min
